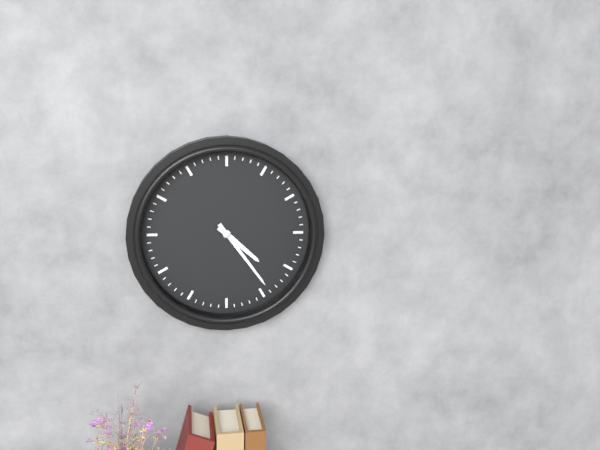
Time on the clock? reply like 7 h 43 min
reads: 4 h 24 min
